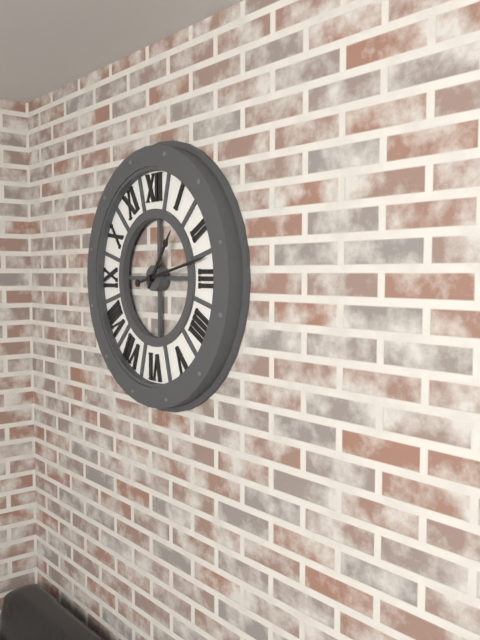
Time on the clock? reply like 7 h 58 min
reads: 1 h 13 min
